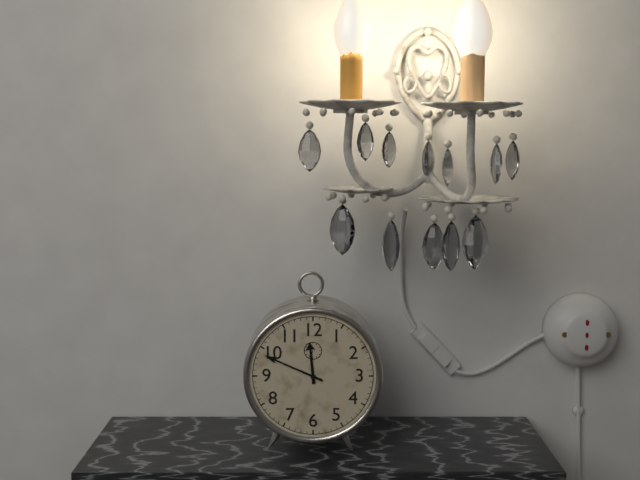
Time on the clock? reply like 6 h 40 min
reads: 11 h 49 min
